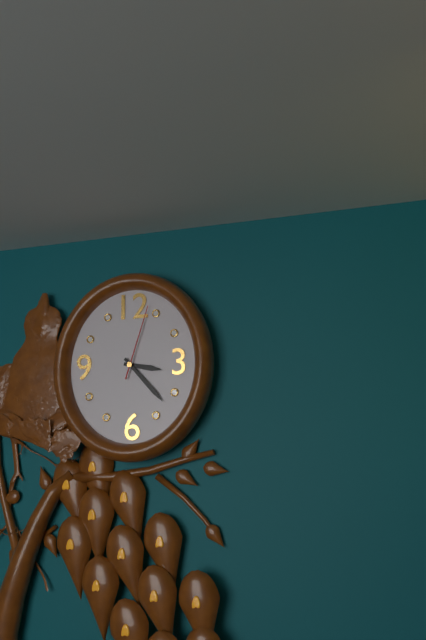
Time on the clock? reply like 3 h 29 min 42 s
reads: 3 h 23 min 03 s
